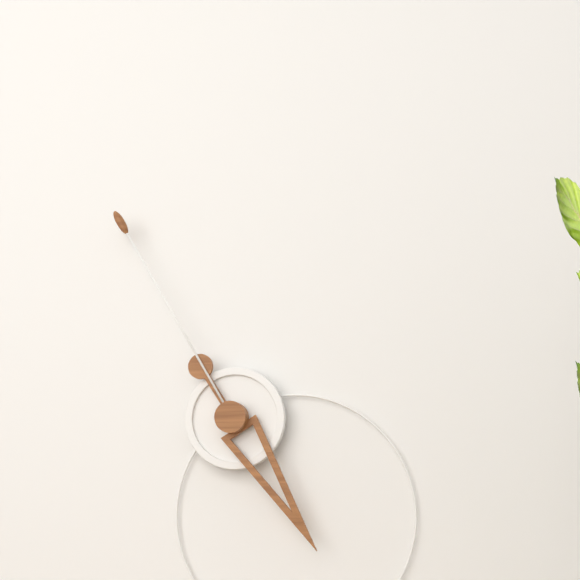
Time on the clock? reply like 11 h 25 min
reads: 4 h 55 min
